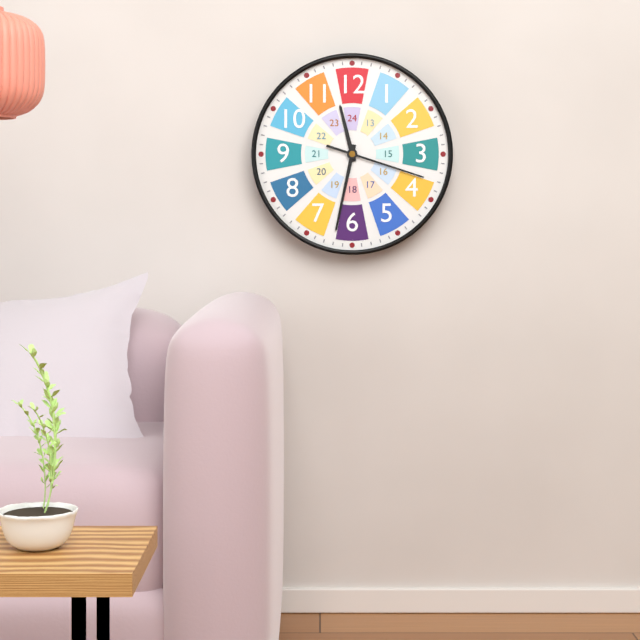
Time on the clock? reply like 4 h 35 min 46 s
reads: 11 h 32 min 18 s
